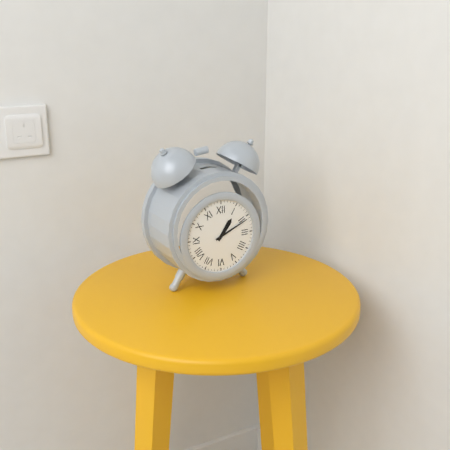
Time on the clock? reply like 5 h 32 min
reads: 1 h 11 min
